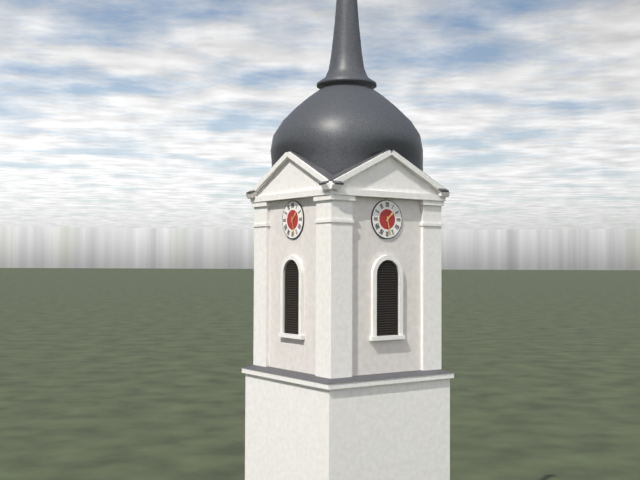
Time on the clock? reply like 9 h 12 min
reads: 1 h 28 min
